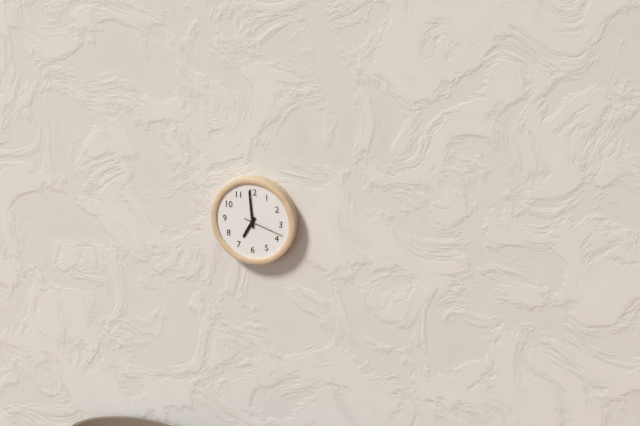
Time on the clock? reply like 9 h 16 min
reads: 6 h 59 min
